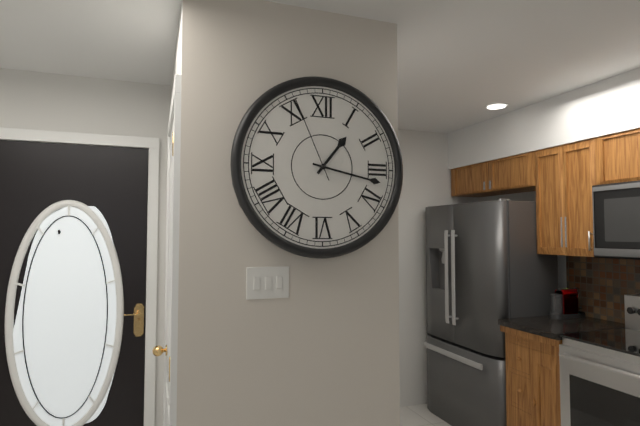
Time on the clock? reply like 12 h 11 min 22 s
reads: 1 h 17 min 56 s
